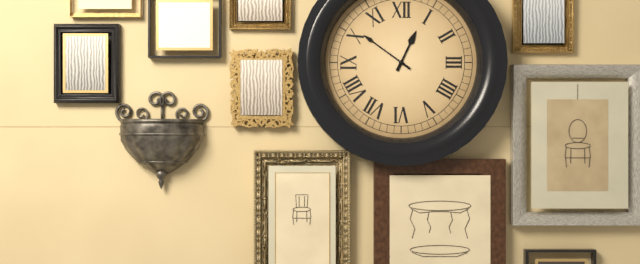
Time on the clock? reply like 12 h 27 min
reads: 12 h 51 min
